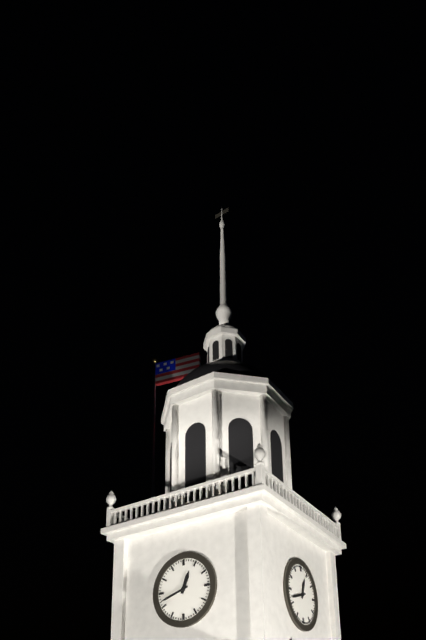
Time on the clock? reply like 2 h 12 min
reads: 12 h 42 min
